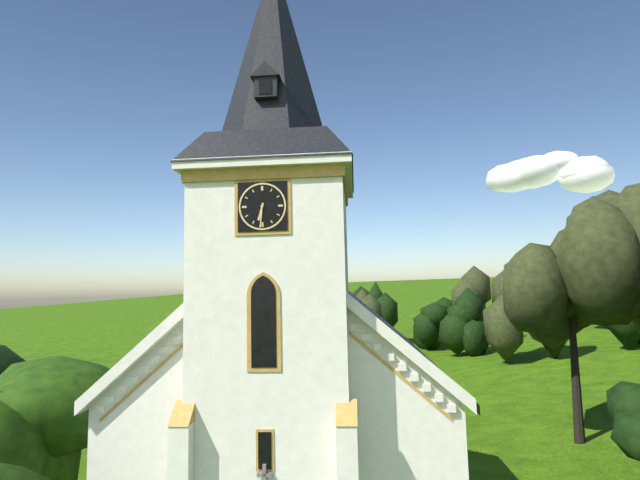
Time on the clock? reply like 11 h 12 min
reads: 6 h 31 min
